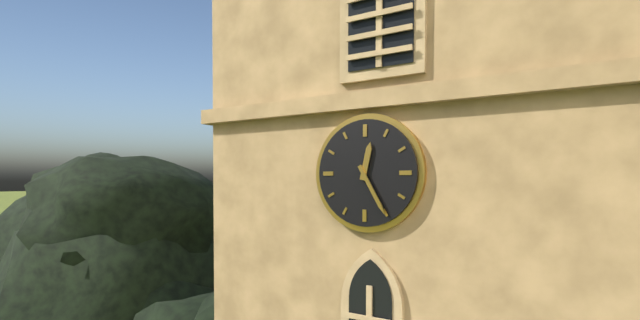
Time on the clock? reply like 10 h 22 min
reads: 12 h 25 min
